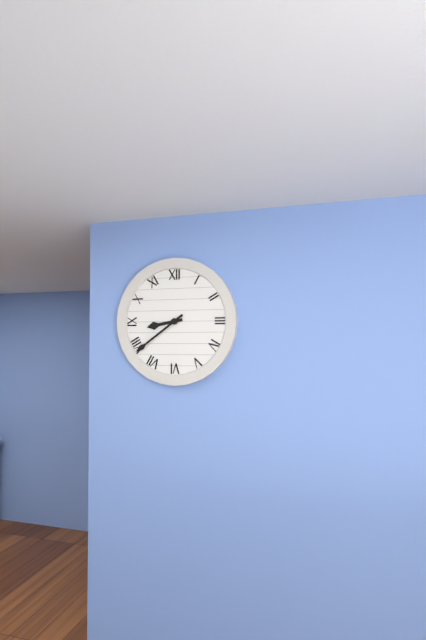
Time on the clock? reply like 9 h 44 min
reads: 8 h 39 min
